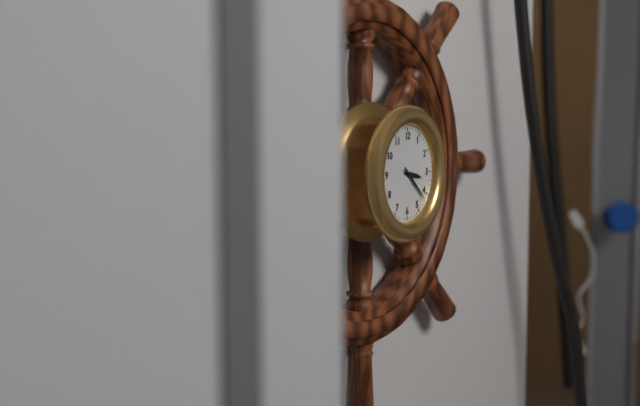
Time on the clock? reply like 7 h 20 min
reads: 3 h 22 min
